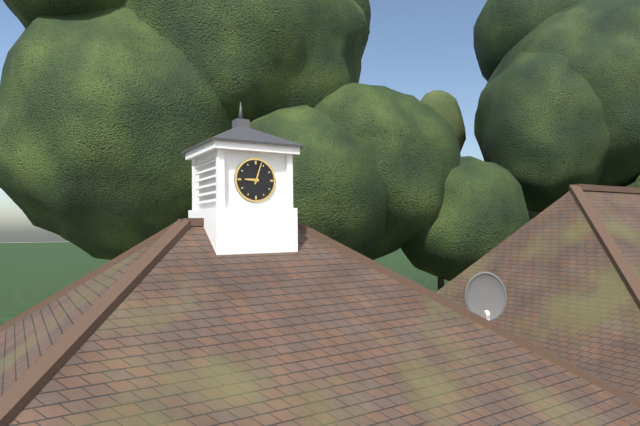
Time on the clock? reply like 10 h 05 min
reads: 9 h 03 min
